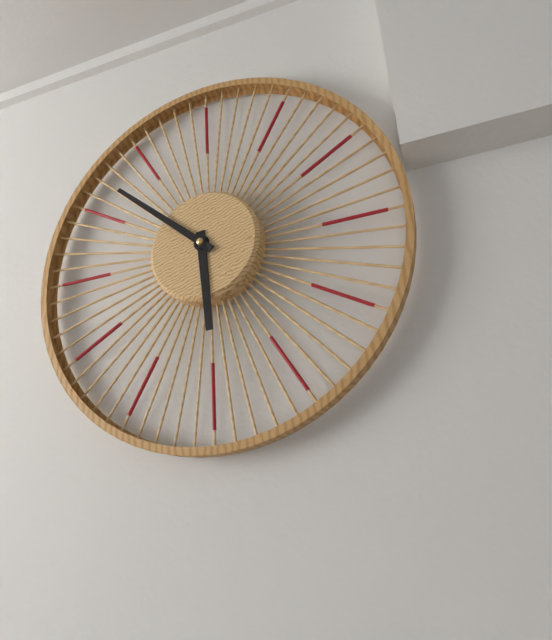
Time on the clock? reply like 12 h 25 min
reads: 5 h 52 min
